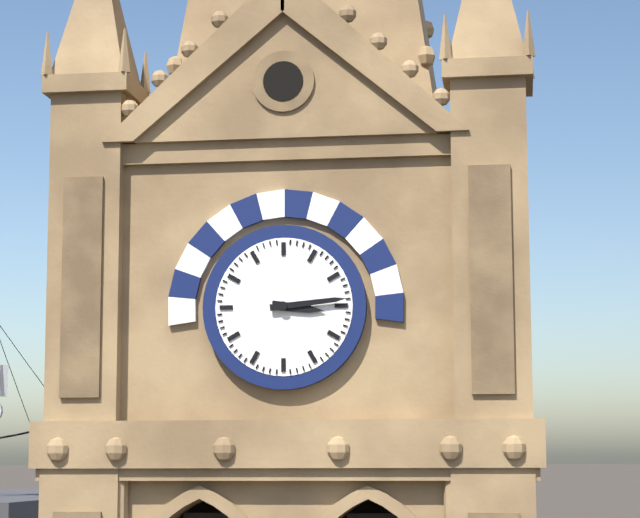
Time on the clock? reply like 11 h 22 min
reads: 3 h 14 min
